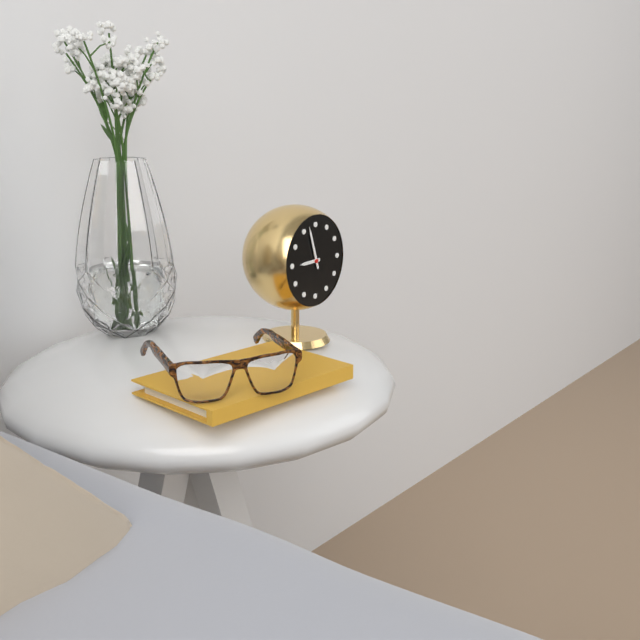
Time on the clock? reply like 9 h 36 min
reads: 8 h 57 min
